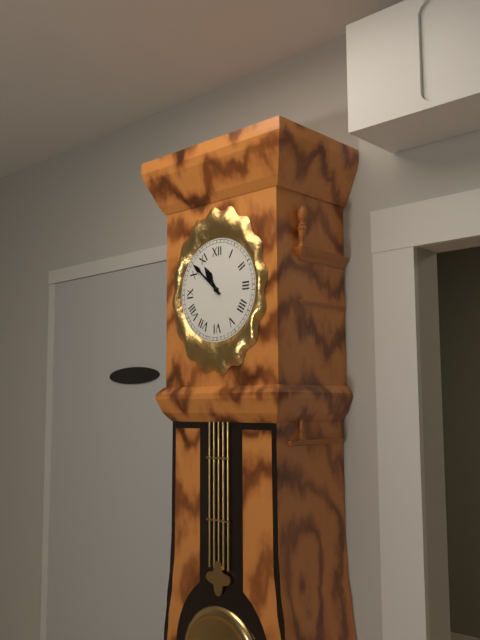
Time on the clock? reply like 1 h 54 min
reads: 10 h 52 min
